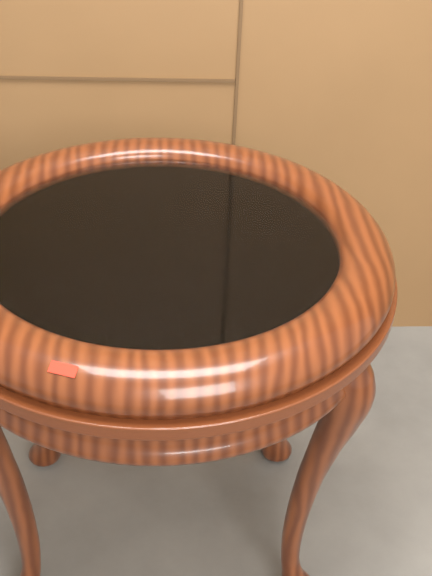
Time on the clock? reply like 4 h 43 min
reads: 6 h 16 min
